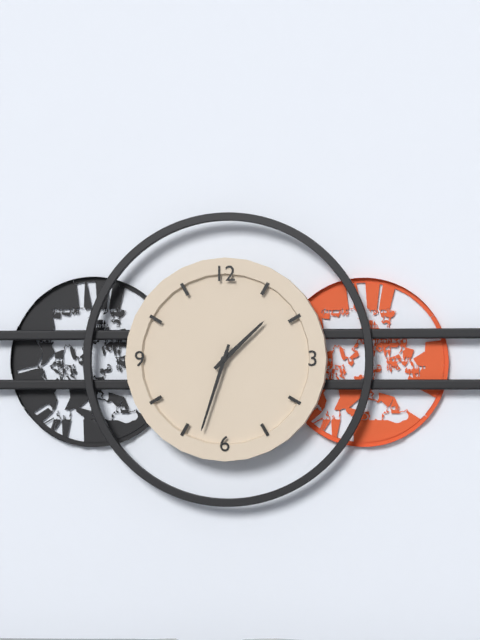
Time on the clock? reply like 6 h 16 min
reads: 1 h 33 min
